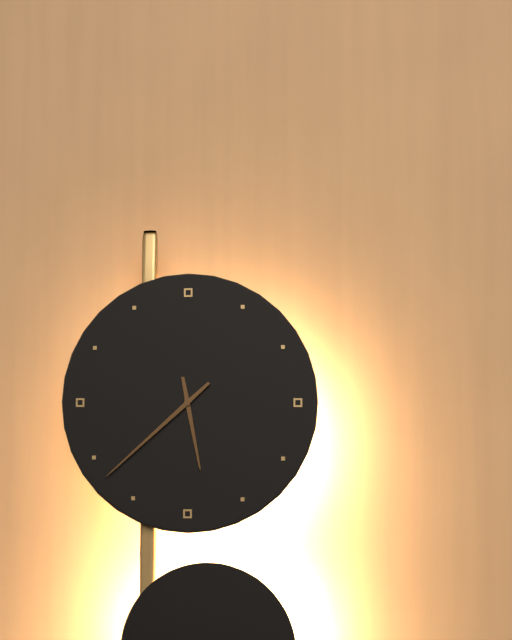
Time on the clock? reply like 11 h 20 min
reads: 5 h 38 min
